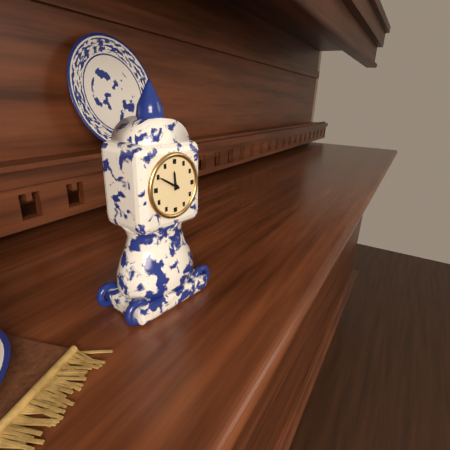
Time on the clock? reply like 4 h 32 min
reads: 11 h 50 min
